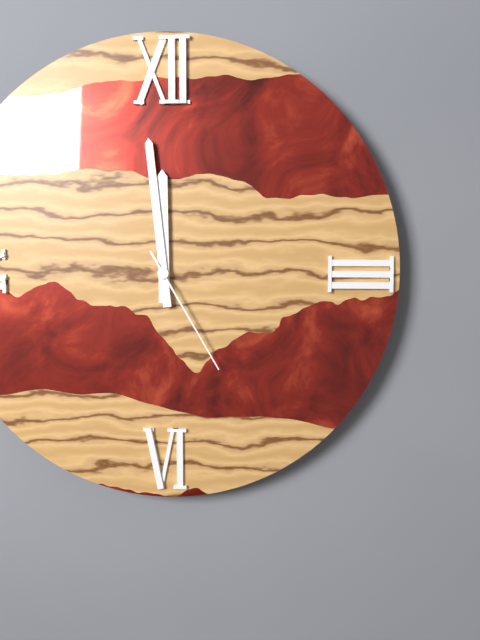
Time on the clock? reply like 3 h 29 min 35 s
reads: 11 h 59 min 25 s
